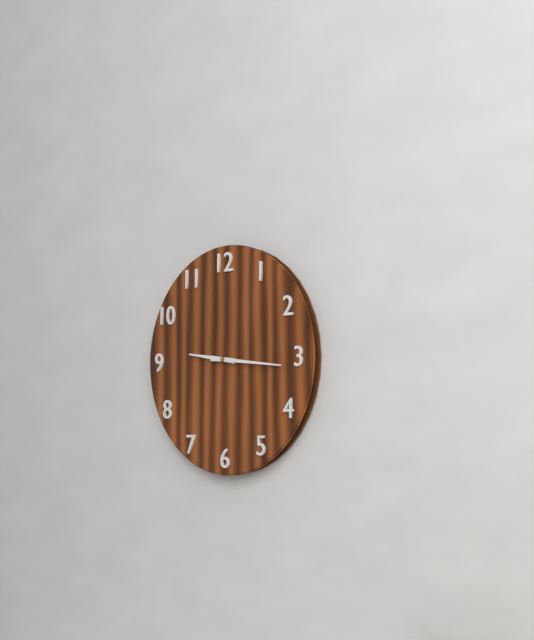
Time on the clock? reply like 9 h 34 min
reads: 9 h 16 min
